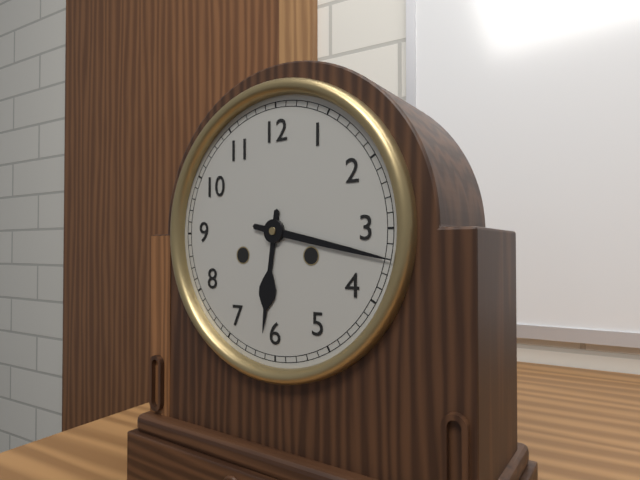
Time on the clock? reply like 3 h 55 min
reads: 6 h 17 min
